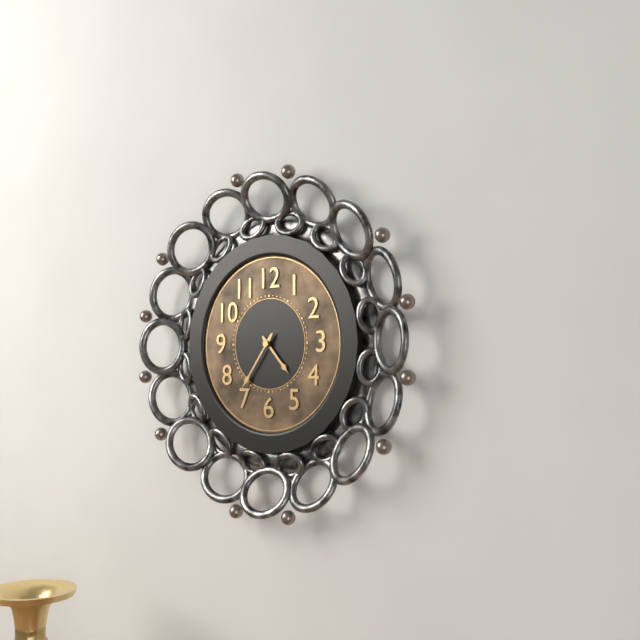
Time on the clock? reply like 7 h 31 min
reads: 4 h 36 min
